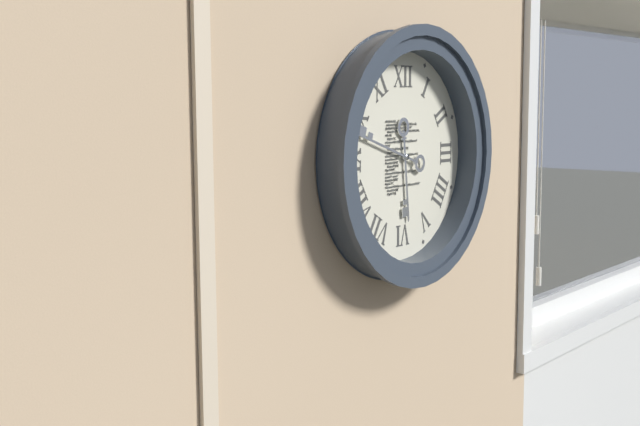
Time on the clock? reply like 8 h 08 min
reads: 5 h 48 min
